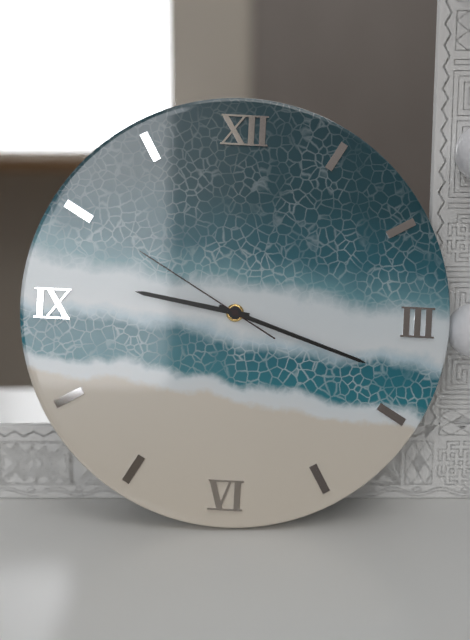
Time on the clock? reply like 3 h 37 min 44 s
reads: 9 h 18 min 50 s
